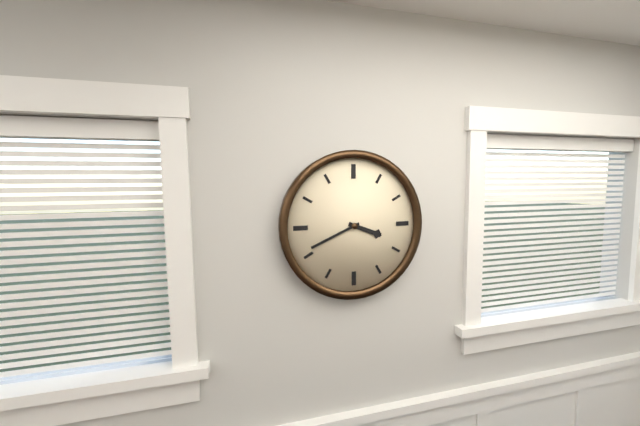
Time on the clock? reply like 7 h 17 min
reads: 3 h 41 min
